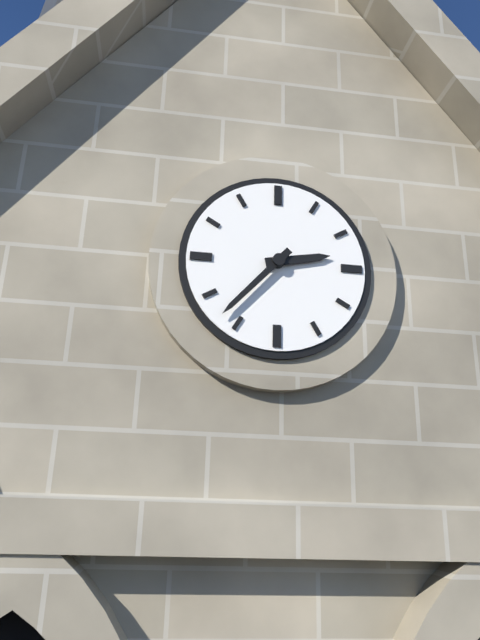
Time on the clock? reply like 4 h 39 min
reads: 2 h 37 min
